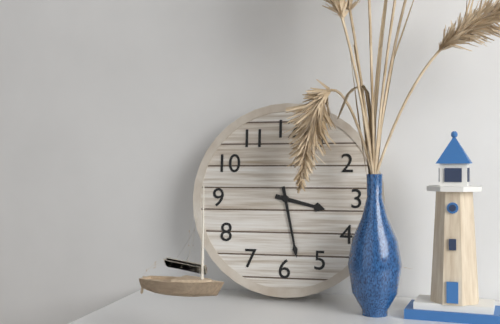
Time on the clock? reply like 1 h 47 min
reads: 3 h 28 min
